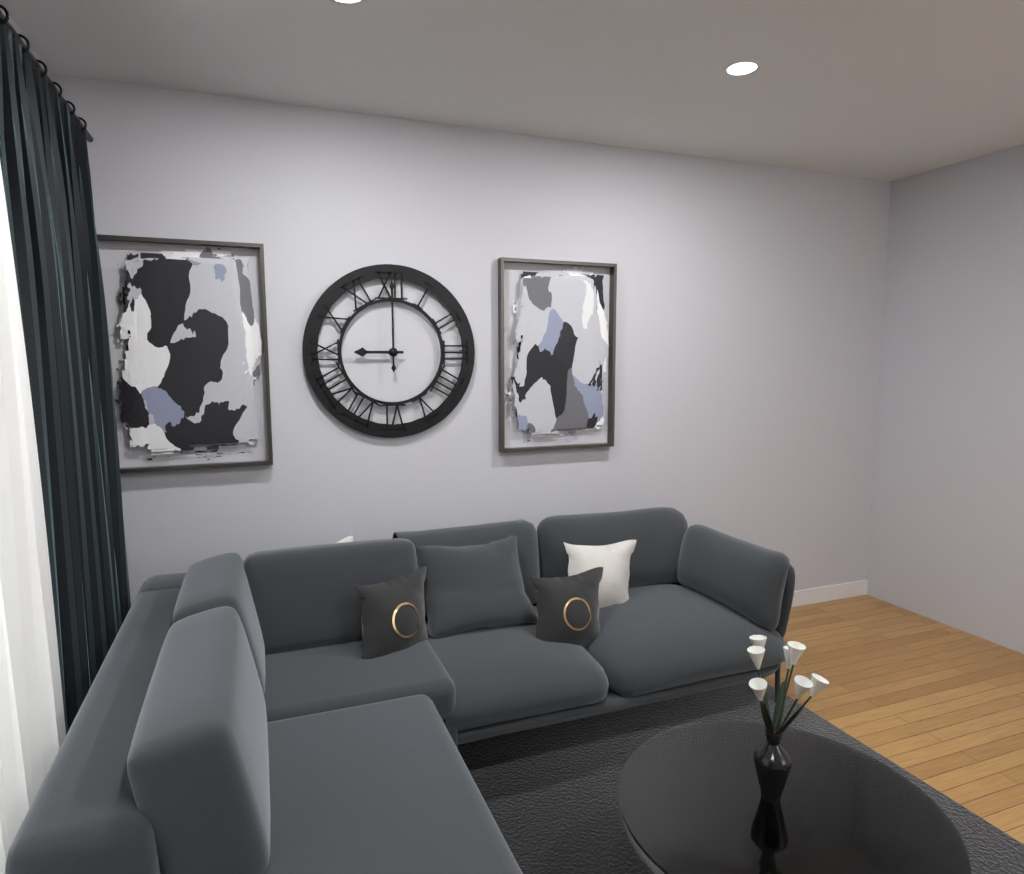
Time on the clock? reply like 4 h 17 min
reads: 9 h 00 min
